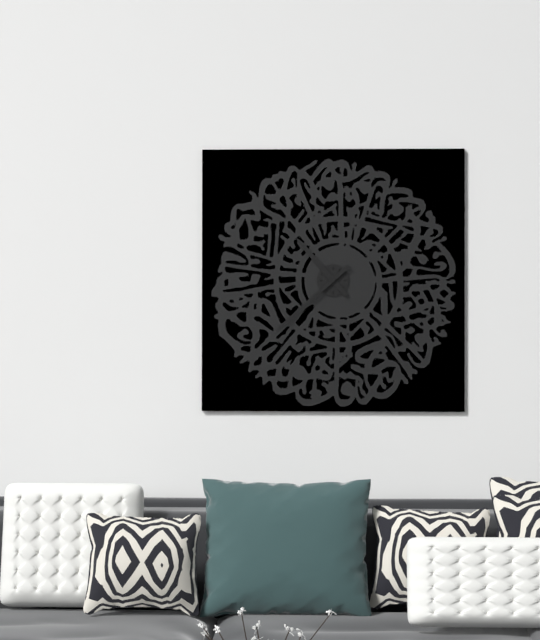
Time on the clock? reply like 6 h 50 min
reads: 10 h 38 min
